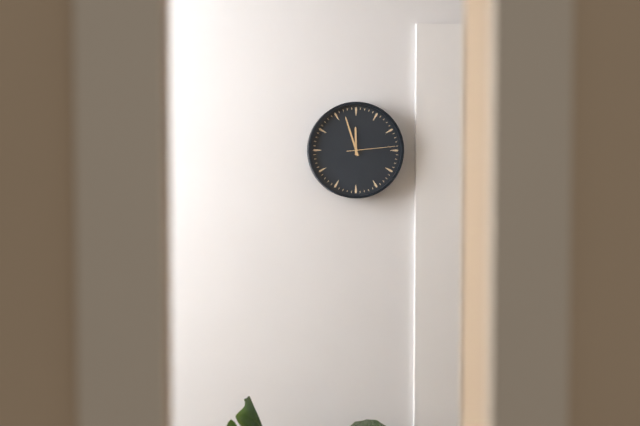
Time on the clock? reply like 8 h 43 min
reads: 11 h 57 min
